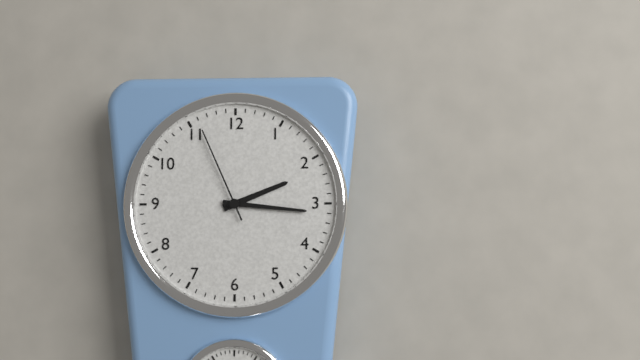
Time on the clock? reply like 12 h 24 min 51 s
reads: 2 h 16 min 56 s
